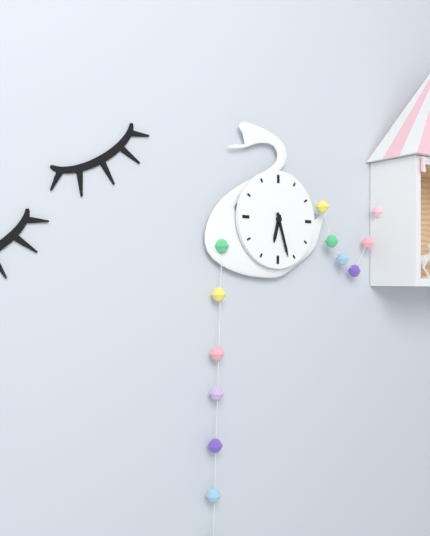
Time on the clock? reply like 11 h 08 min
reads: 6 h 27 min
